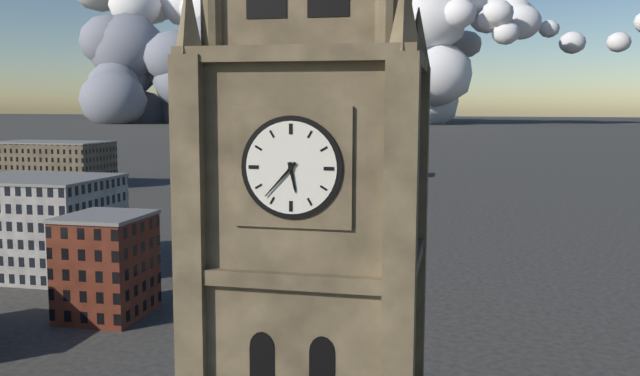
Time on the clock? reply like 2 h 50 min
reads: 5 h 37 min
